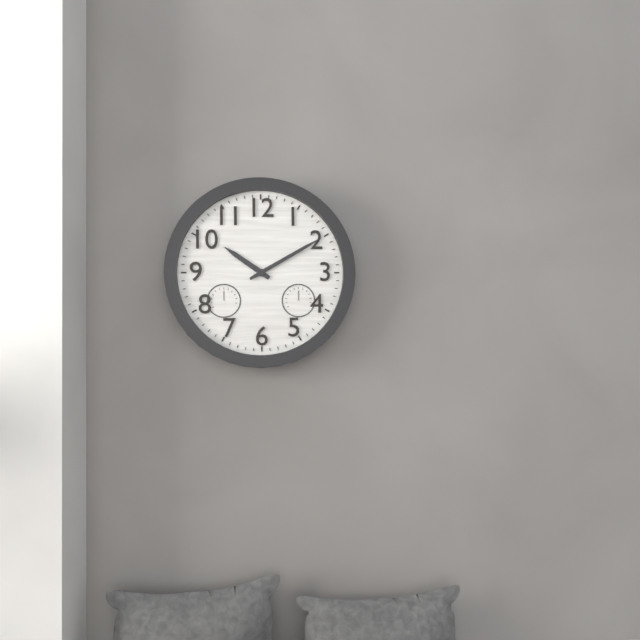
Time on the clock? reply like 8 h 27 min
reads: 10 h 10 min
